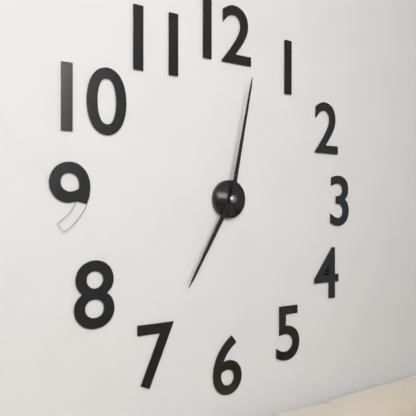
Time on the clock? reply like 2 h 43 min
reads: 7 h 02 min
